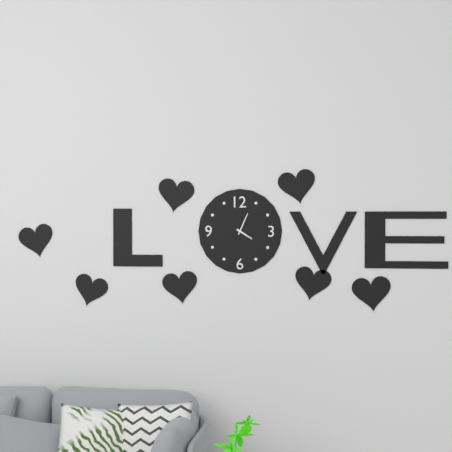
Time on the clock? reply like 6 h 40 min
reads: 4 h 04 min
